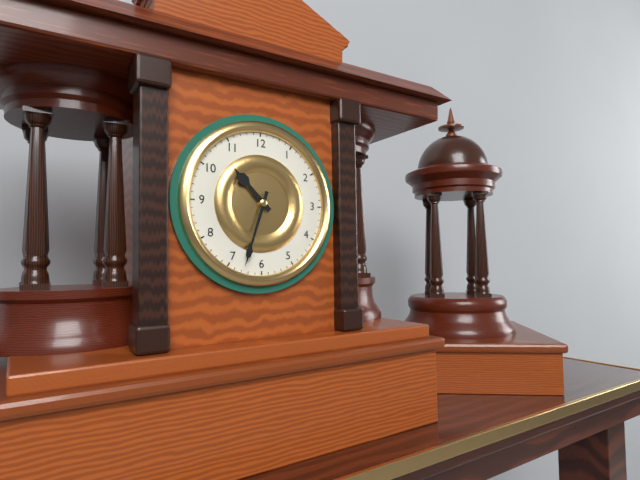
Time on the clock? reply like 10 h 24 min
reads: 10 h 33 min
